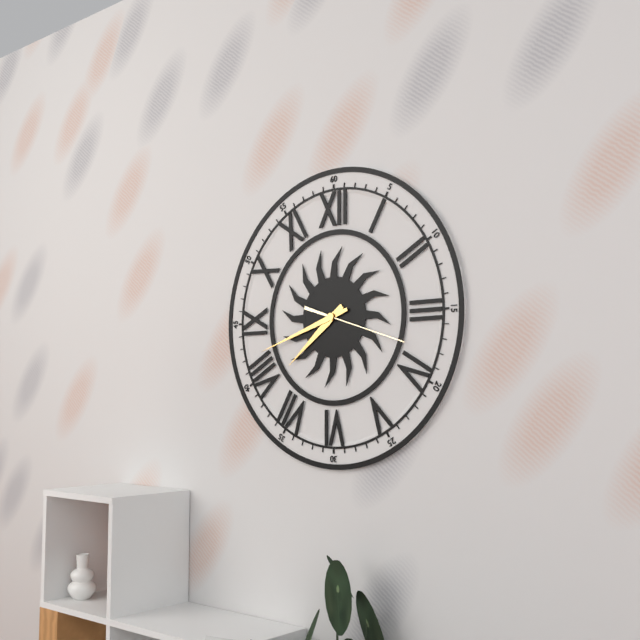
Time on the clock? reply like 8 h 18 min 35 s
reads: 7 h 42 min 18 s
